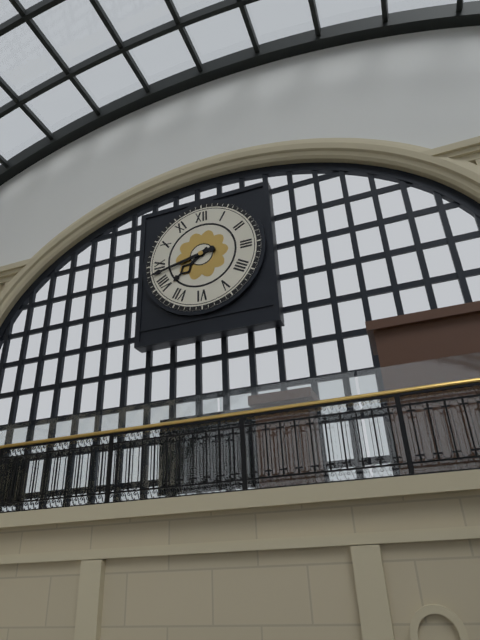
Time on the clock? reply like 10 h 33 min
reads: 7 h 43 min
